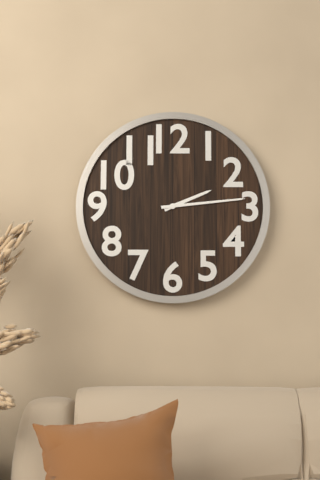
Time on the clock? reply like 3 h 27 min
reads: 2 h 14 min
